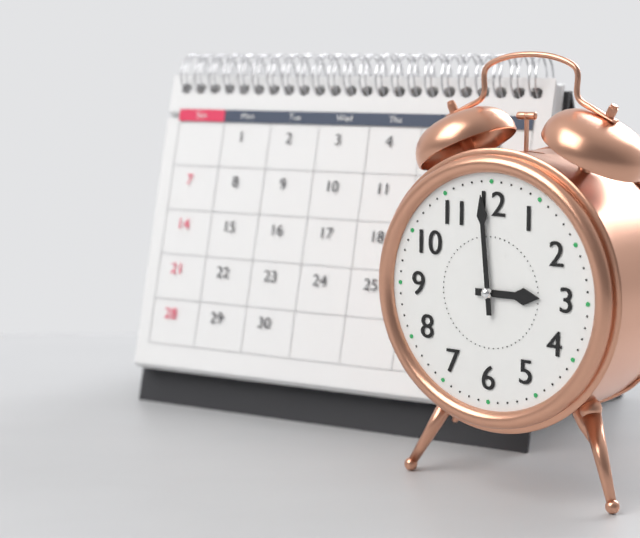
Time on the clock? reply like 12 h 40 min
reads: 2 h 59 min
